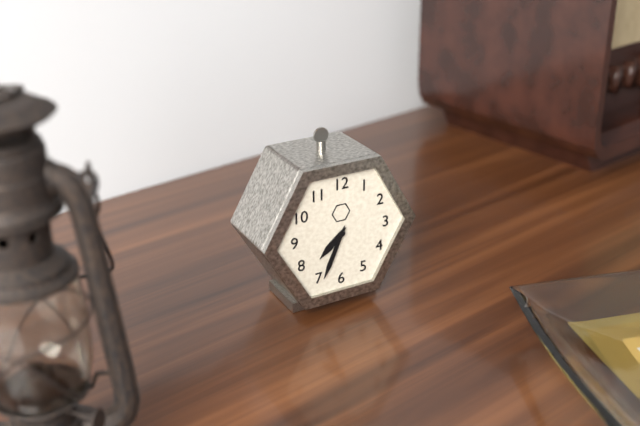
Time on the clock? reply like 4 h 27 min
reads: 7 h 34 min
